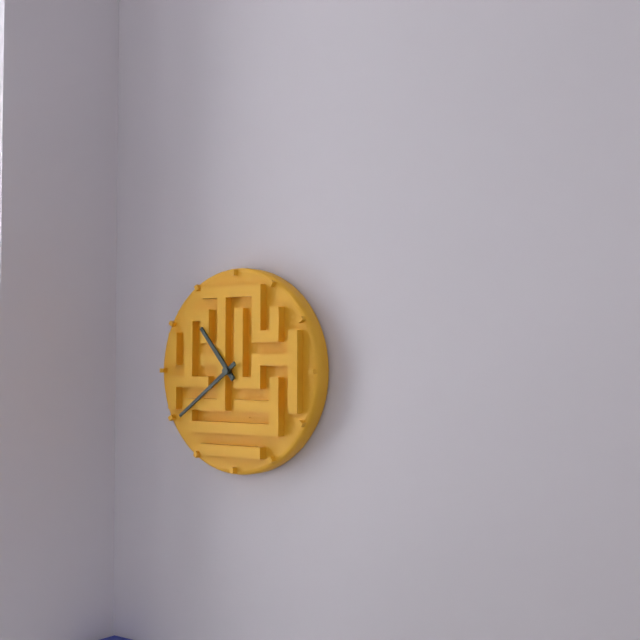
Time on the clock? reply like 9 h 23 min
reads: 10 h 39 min
